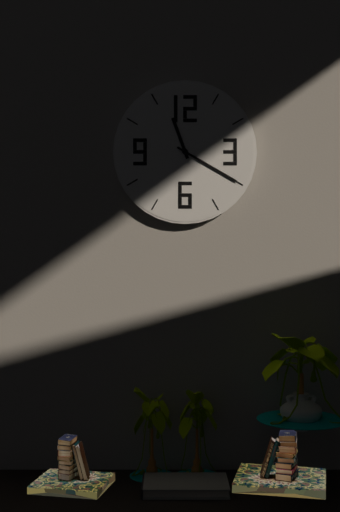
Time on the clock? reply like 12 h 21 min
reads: 11 h 20 min
